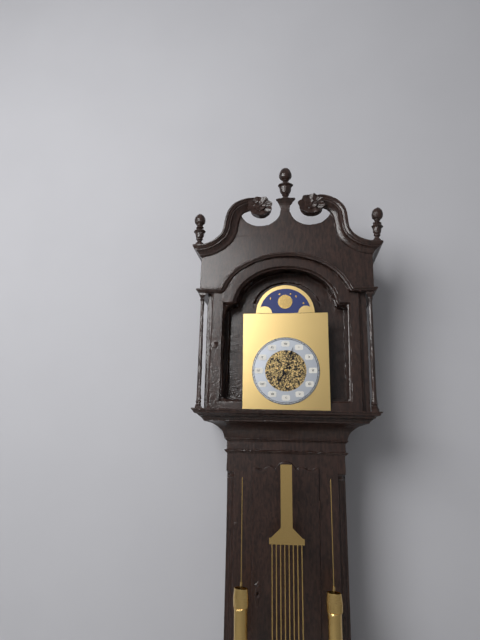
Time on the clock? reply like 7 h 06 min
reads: 7 h 03 min
